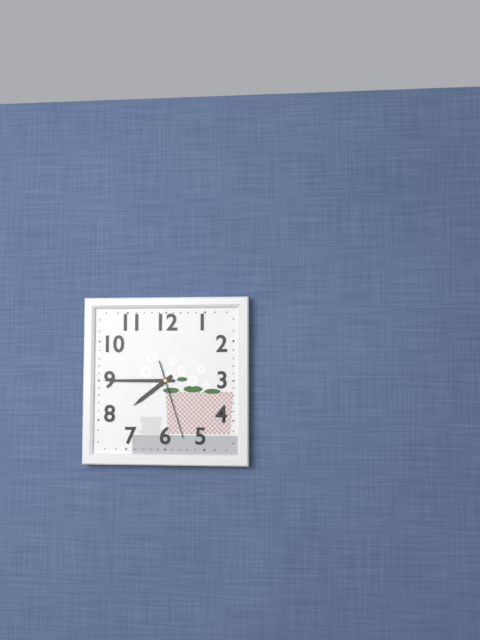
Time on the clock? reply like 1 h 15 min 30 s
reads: 7 h 45 min 27 s
